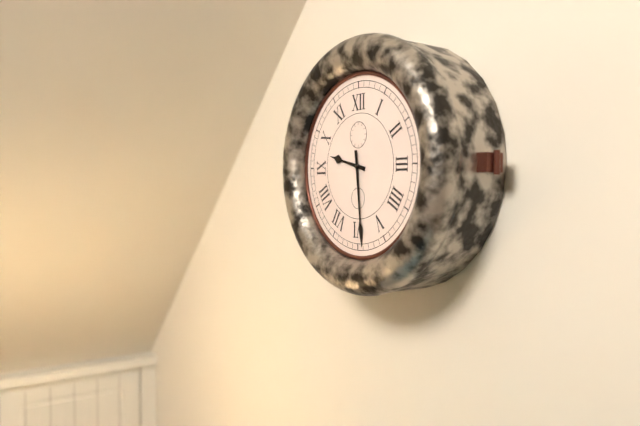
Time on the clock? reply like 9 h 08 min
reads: 9 h 29 min
